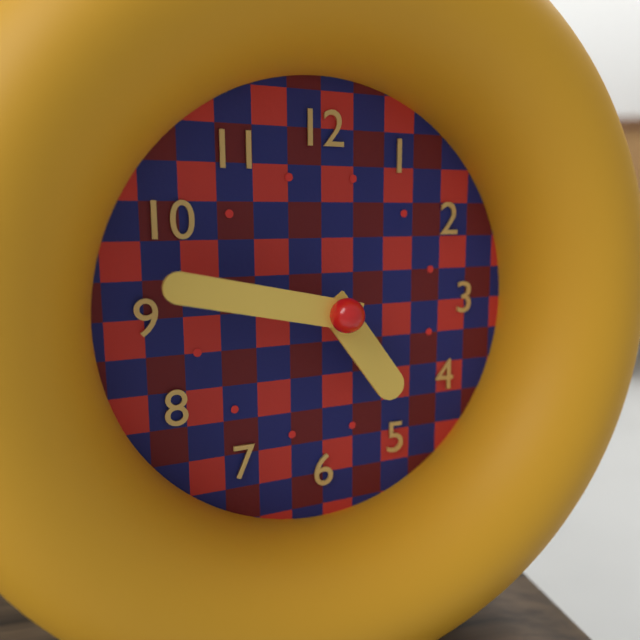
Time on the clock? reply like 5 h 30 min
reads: 4 h 47 min
